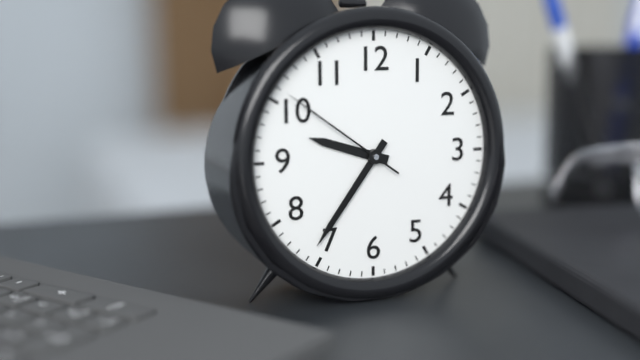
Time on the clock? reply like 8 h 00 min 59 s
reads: 9 h 36 min 51 s
